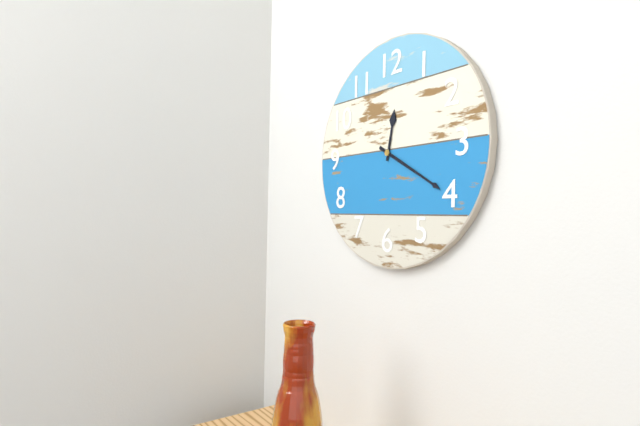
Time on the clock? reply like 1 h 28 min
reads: 12 h 20 min
